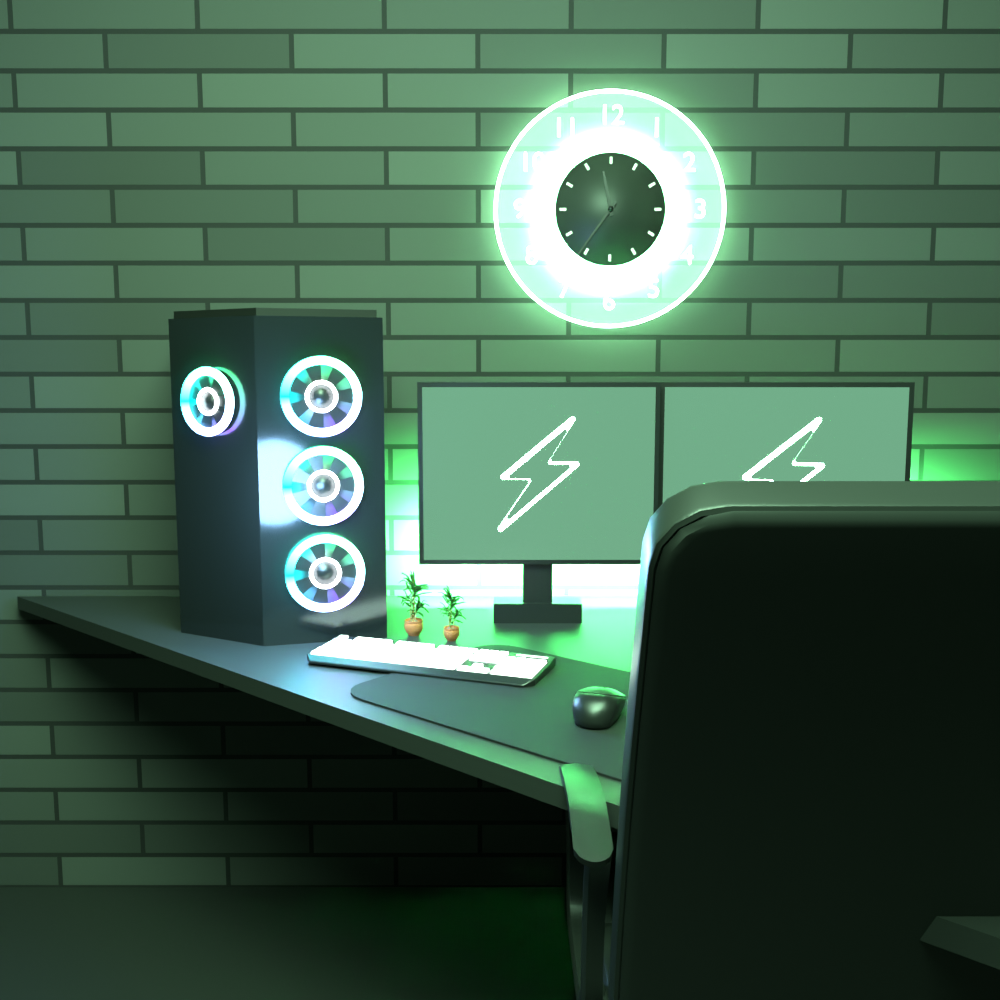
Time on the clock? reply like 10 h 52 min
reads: 11 h 36 min
